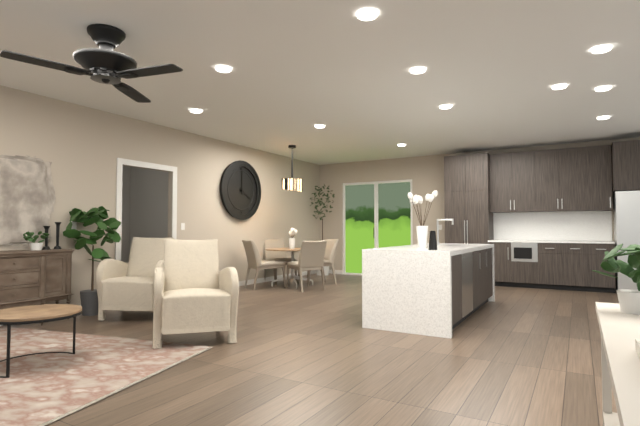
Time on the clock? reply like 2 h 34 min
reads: 4 h 00 min
